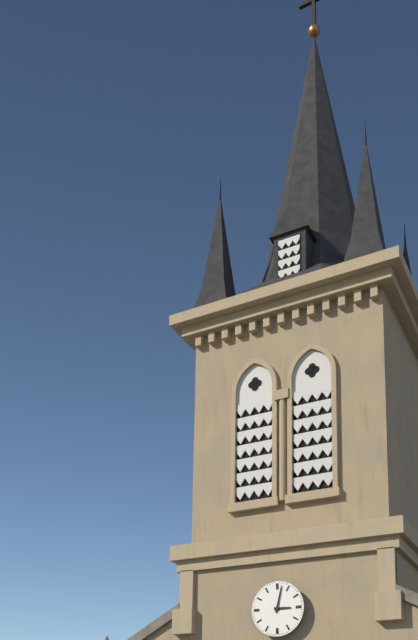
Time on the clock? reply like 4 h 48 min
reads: 3 h 02 min
